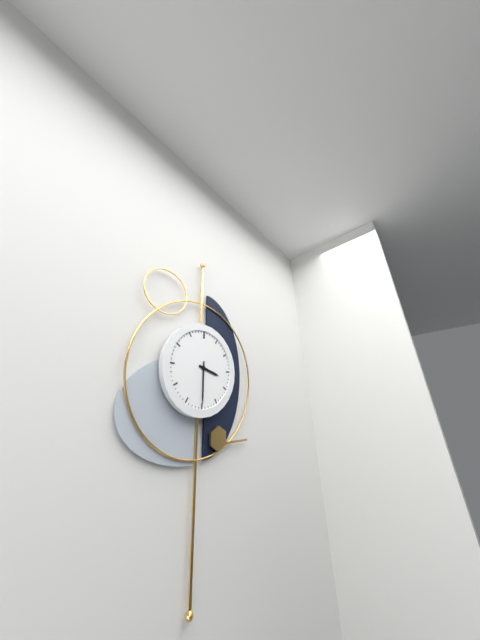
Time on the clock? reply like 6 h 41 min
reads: 3 h 30 min
